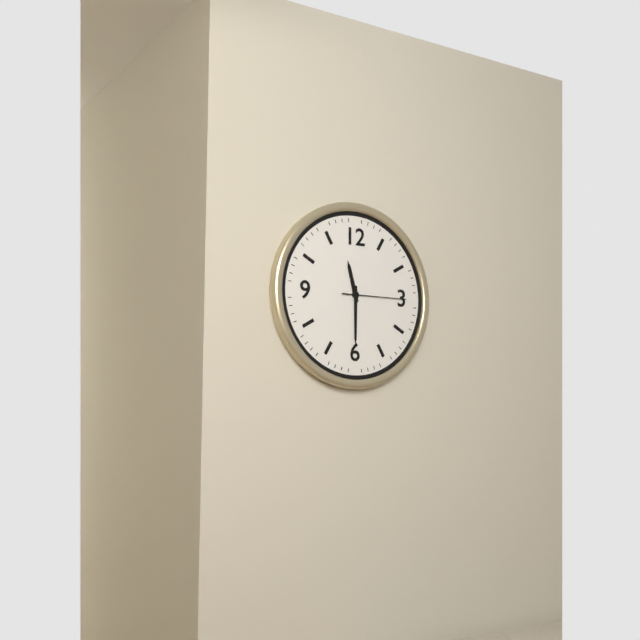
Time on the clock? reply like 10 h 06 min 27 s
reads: 11 h 30 min 15 s
